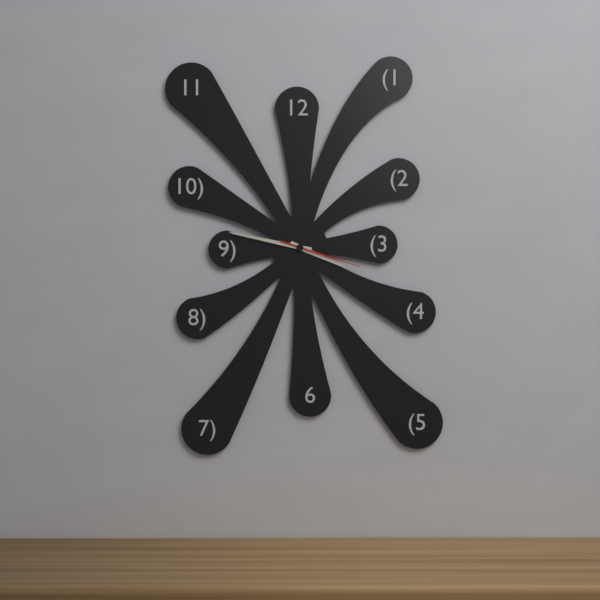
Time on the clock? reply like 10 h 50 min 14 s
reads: 3 h 47 min 18 s
